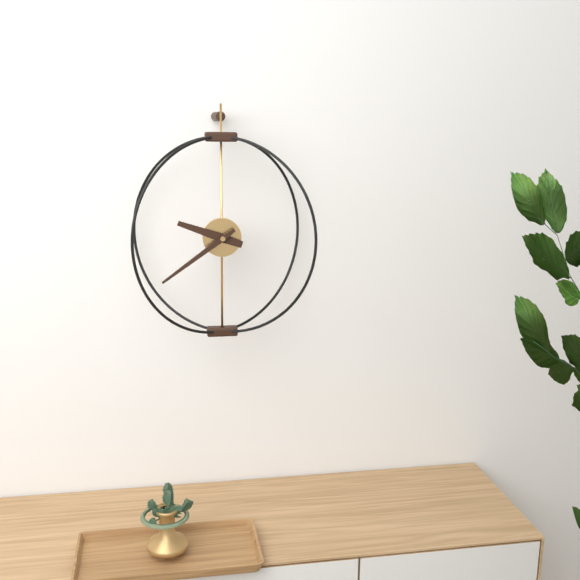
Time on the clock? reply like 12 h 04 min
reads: 9 h 39 min
